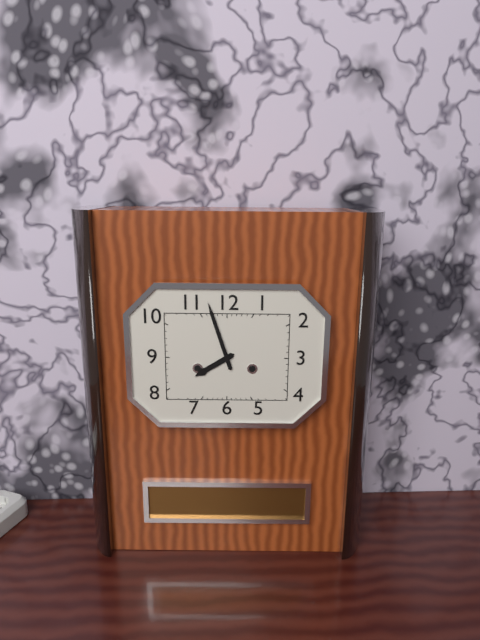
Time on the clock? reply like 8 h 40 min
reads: 7 h 57 min
